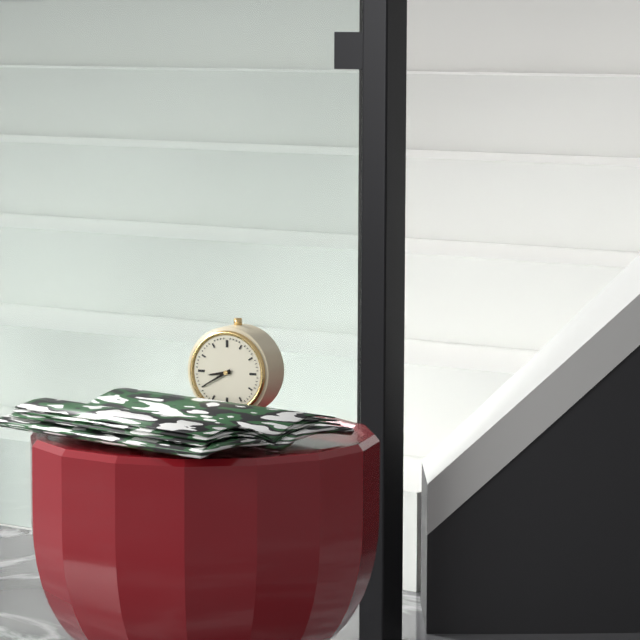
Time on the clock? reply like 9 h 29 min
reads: 8 h 40 min
